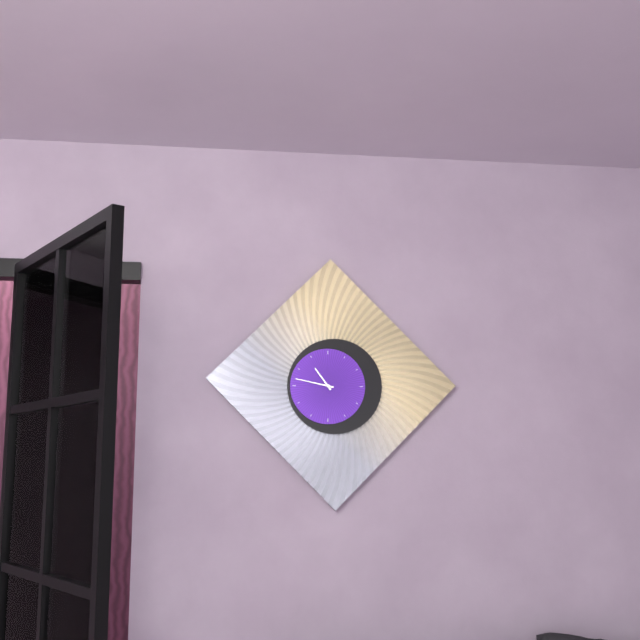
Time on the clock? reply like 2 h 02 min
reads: 10 h 47 min
